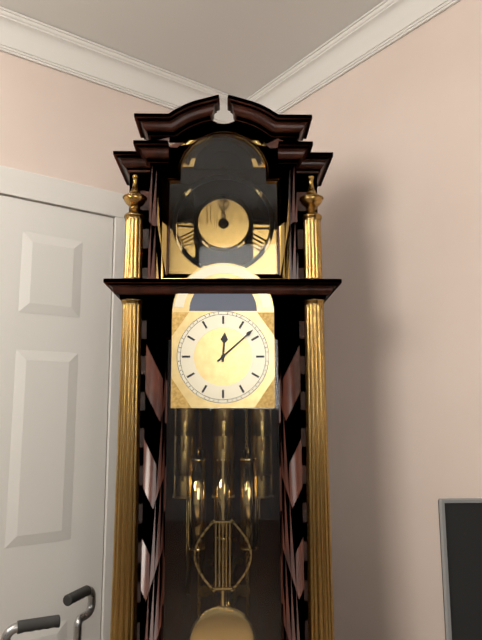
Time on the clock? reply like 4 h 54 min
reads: 12 h 08 min
